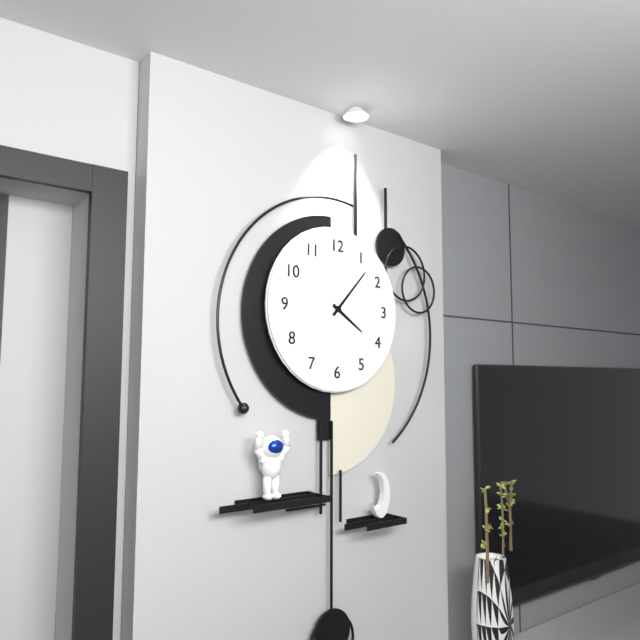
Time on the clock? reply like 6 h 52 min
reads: 4 h 07 min
